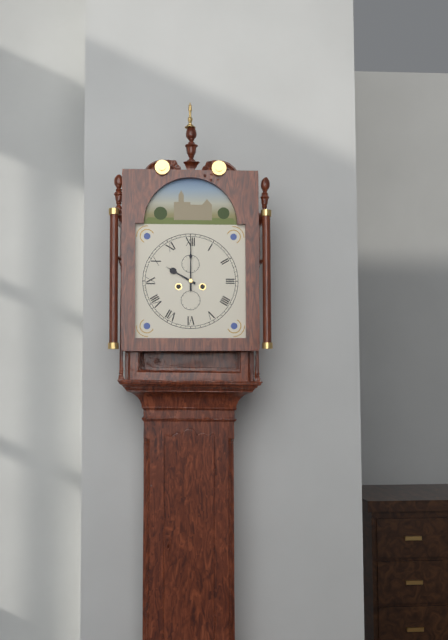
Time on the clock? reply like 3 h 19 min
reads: 10 h 00 min
